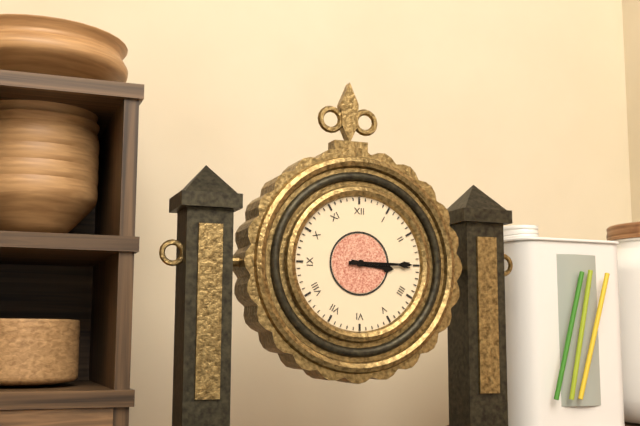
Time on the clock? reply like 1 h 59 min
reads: 3 h 15 min
